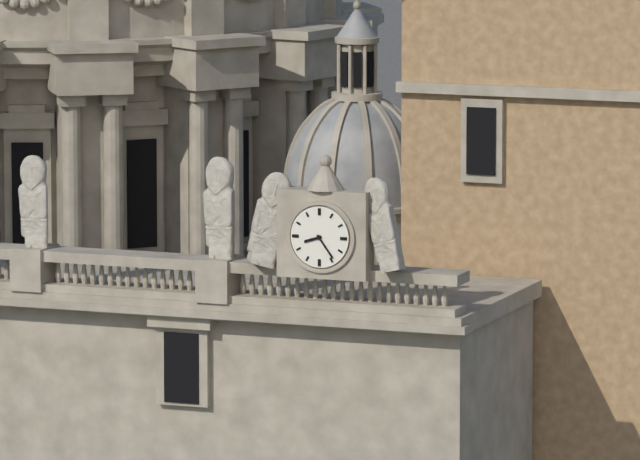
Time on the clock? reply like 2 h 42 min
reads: 8 h 24 min
